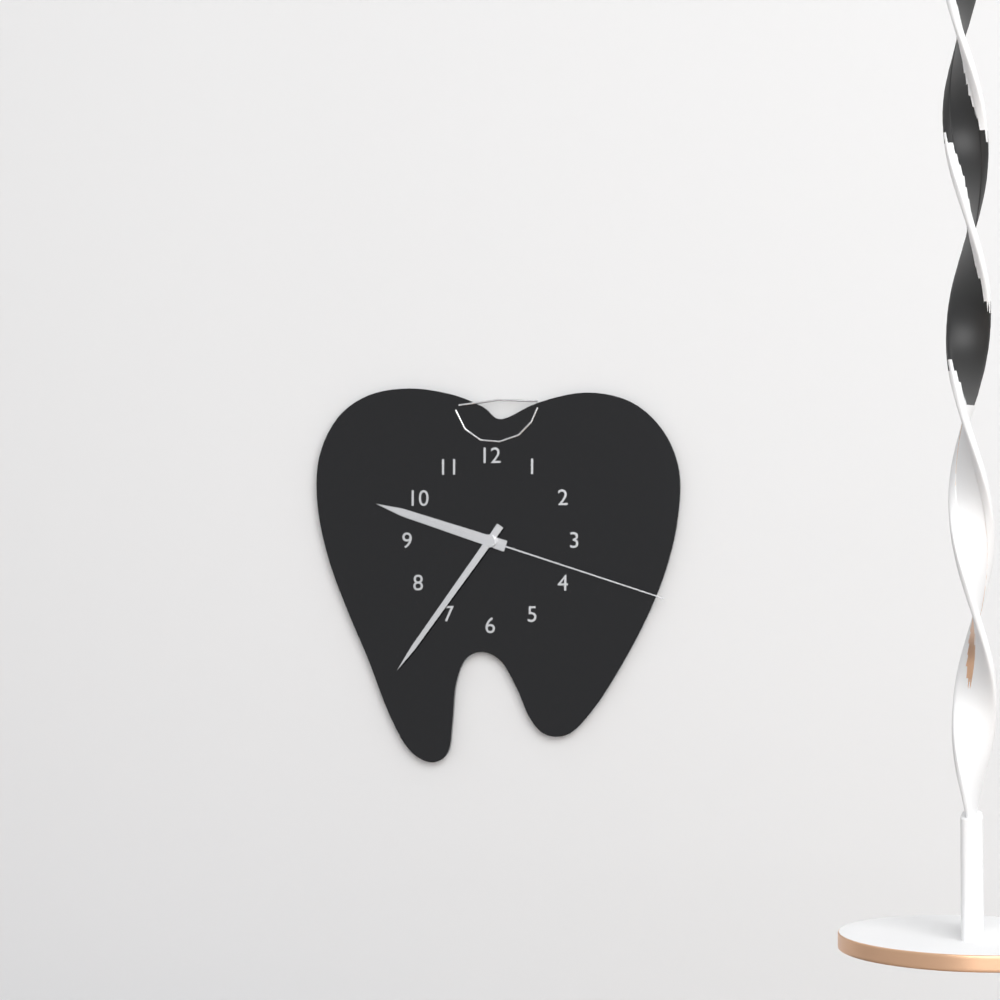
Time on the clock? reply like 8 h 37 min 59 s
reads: 9 h 36 min 18 s
